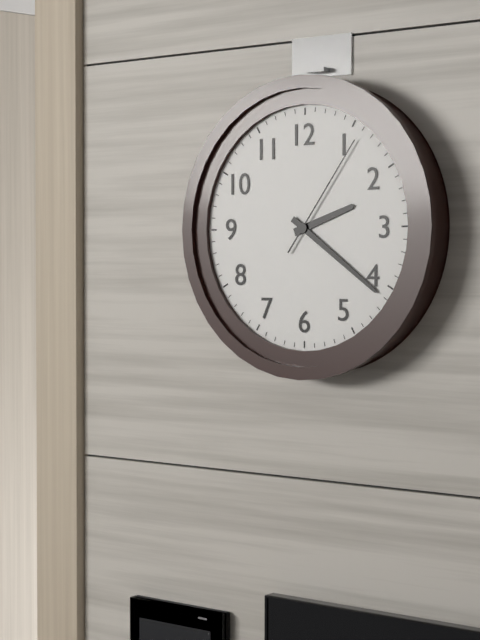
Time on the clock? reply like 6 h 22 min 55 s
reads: 2 h 21 min 06 s
